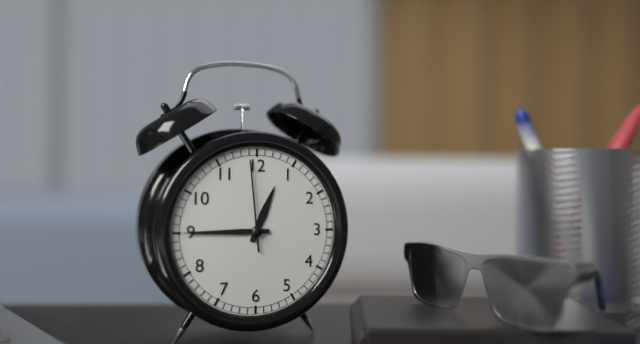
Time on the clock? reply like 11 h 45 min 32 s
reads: 12 h 45 min 59 s
